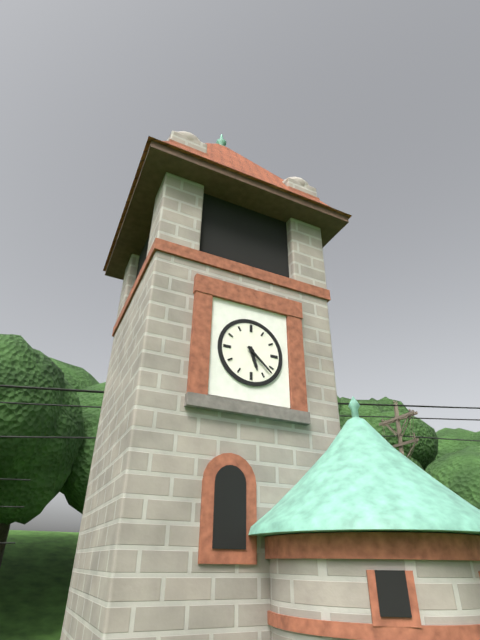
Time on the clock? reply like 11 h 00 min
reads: 5 h 22 min
